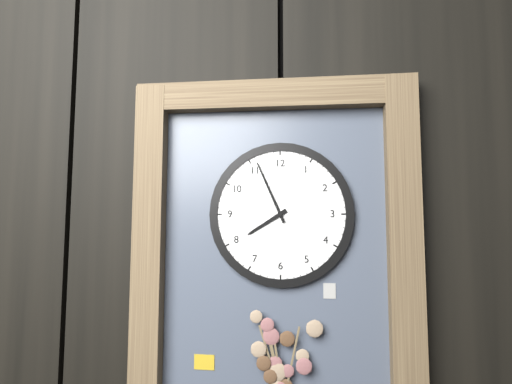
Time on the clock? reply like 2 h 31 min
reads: 7 h 56 min
